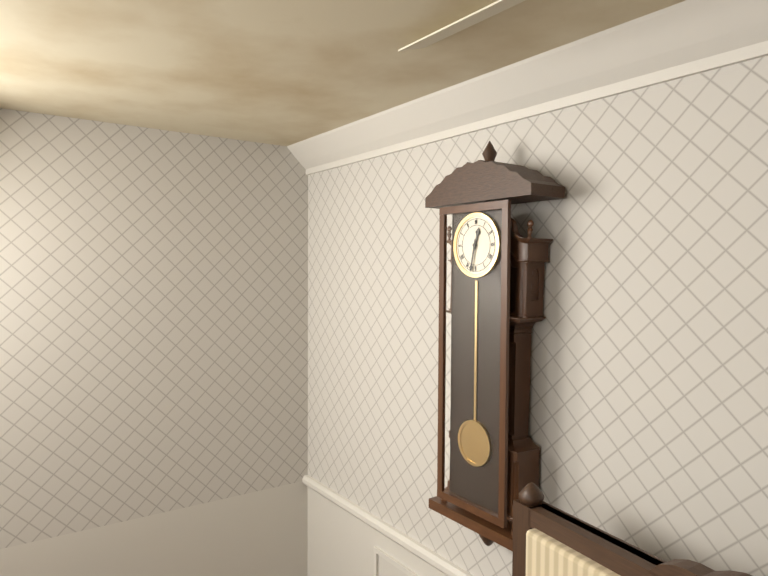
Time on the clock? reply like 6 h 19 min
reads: 12 h 32 min
